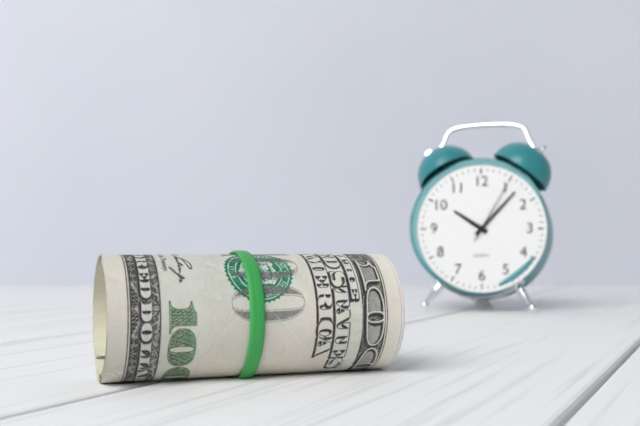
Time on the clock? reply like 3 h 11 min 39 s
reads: 10 h 07 min 05 s
